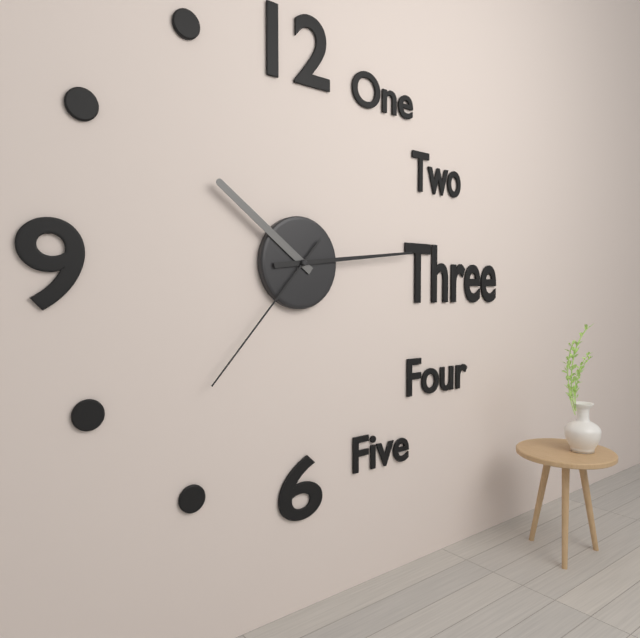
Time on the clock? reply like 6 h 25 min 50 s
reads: 10 h 14 min 37 s
